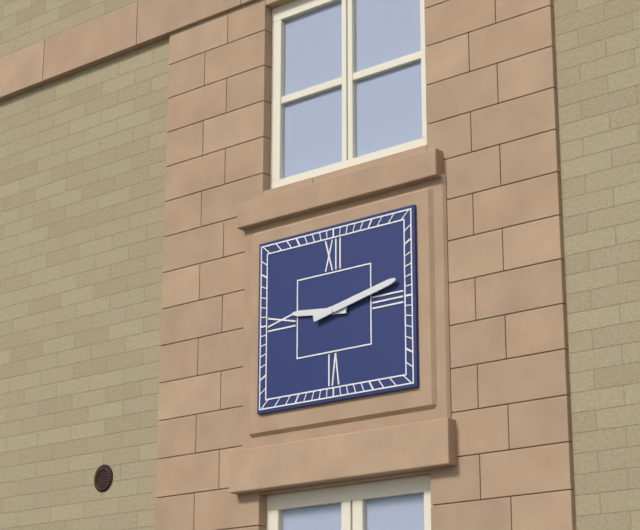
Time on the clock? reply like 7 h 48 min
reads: 9 h 13 min
